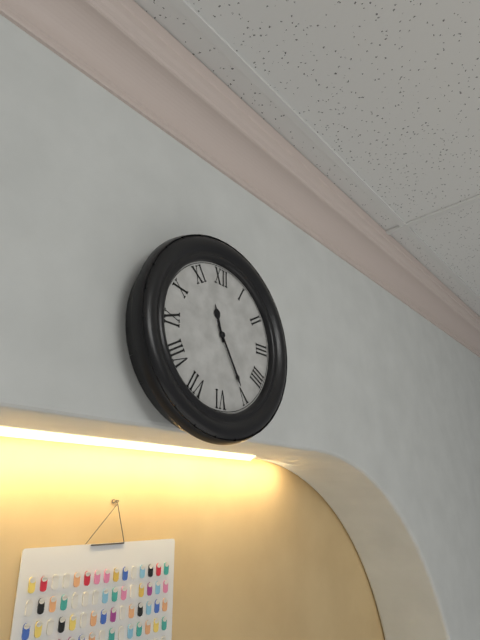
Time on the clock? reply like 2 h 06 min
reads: 11 h 25 min
